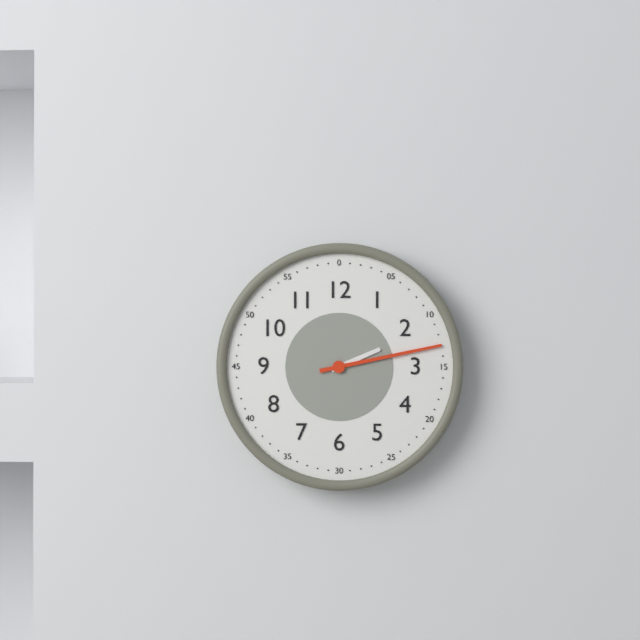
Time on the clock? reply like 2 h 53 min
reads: 2 h 13 min
